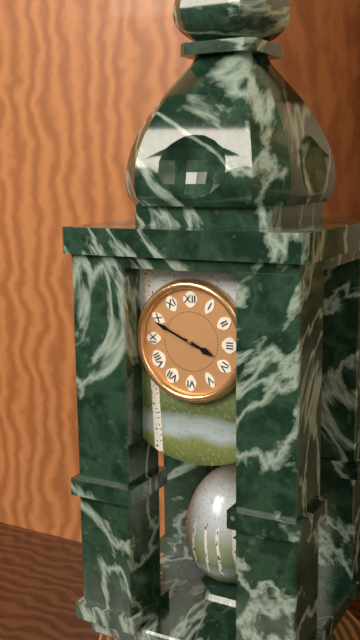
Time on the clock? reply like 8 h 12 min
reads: 3 h 49 min
